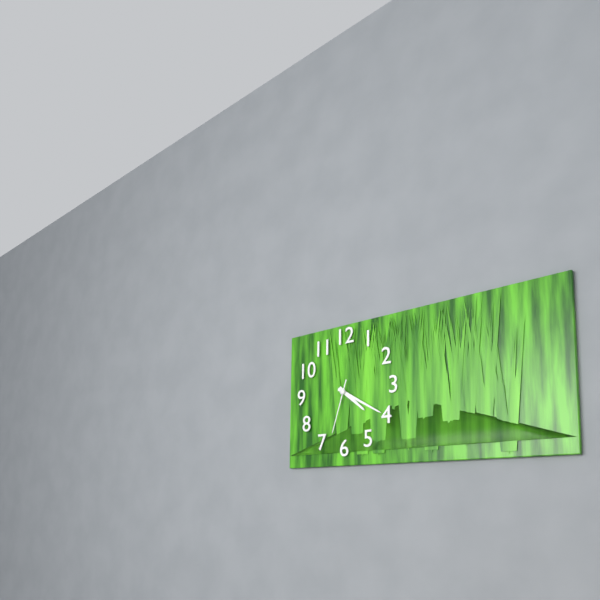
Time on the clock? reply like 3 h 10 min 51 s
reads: 4 h 20 min 33 s
